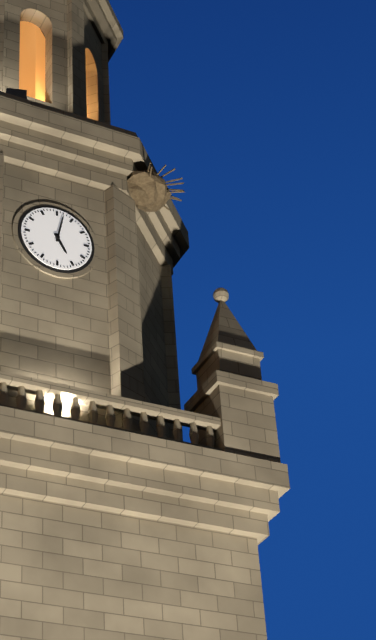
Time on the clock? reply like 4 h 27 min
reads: 5 h 02 min
